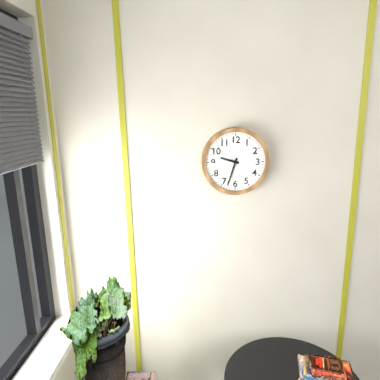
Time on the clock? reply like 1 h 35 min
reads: 9 h 33 min
